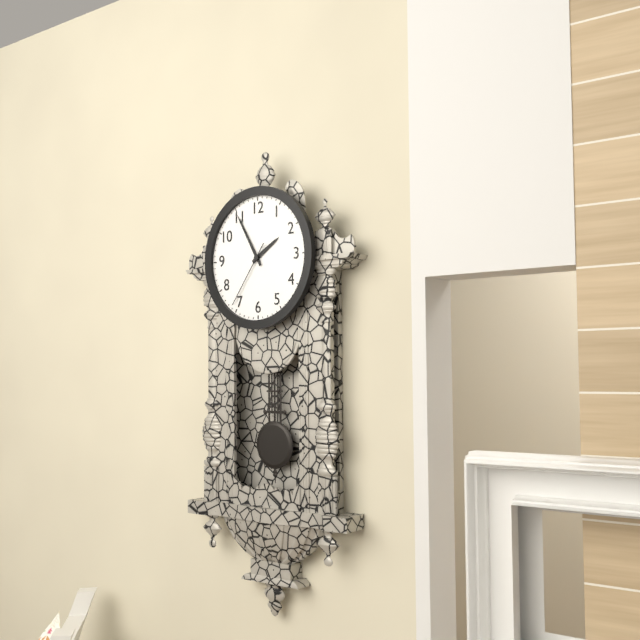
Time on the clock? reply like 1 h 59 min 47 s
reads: 1 h 55 min 36 s
